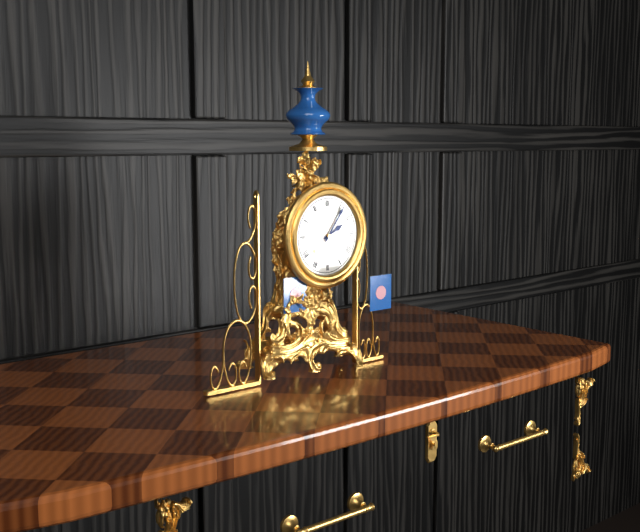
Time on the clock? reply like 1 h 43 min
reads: 2 h 06 min
